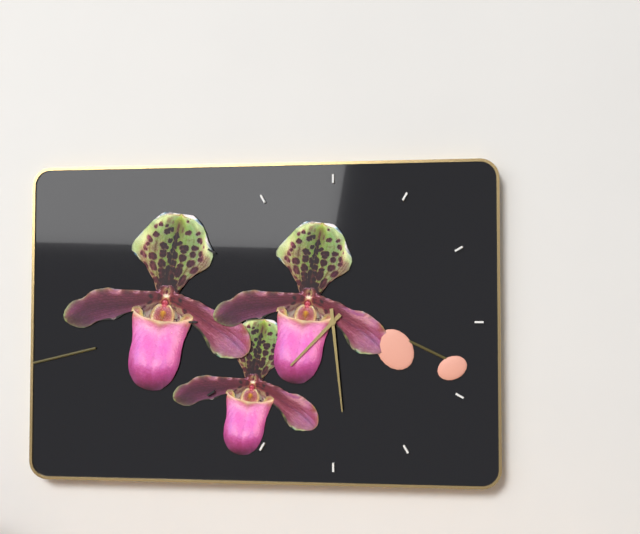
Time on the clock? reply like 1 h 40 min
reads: 7 h 29 min
